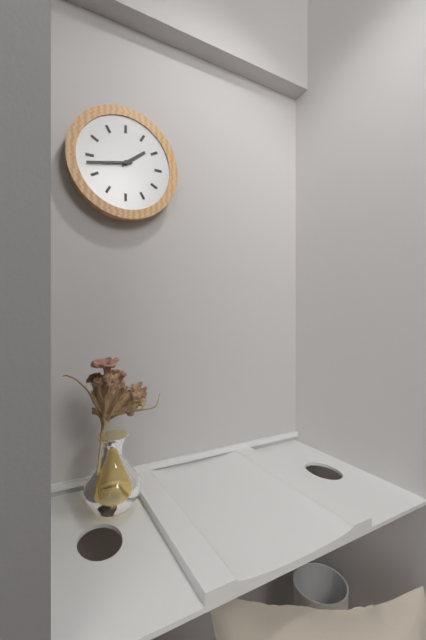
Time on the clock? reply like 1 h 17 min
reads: 1 h 43 min
